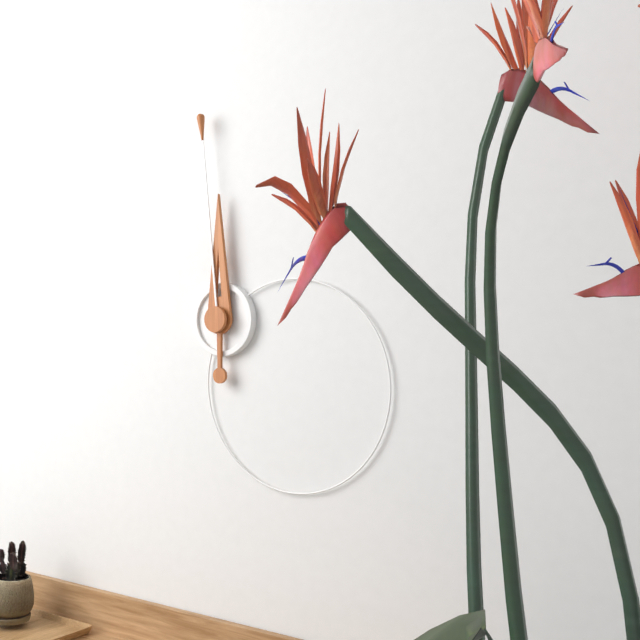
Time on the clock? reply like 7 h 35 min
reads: 11 h 59 min
